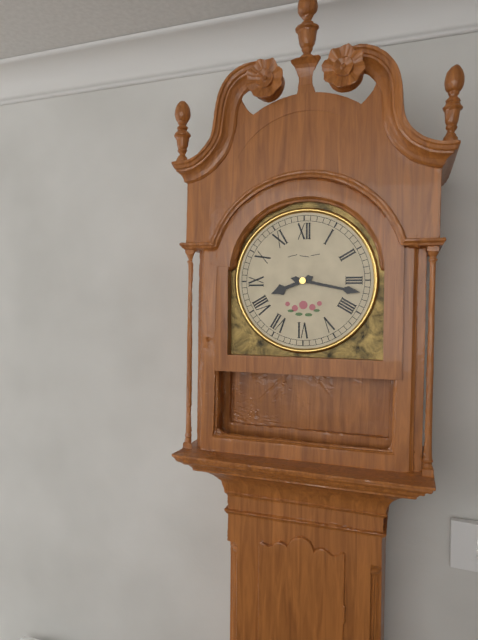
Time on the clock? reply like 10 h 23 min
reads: 8 h 17 min
